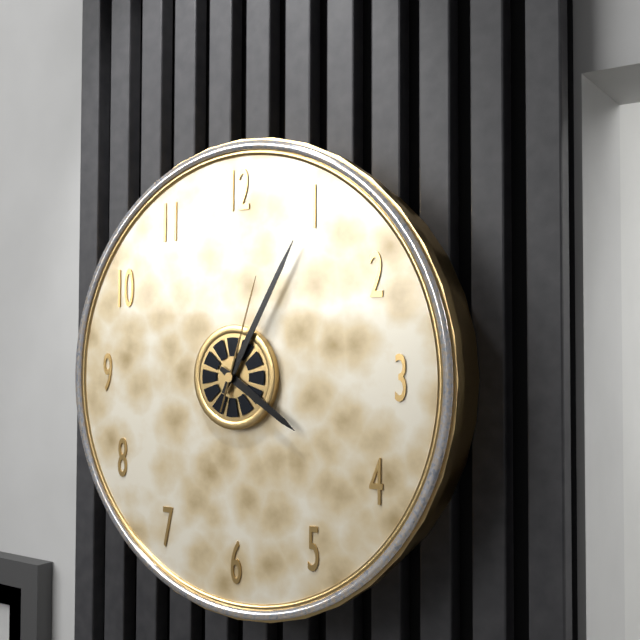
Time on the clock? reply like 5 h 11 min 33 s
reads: 4 h 05 min 03 s
